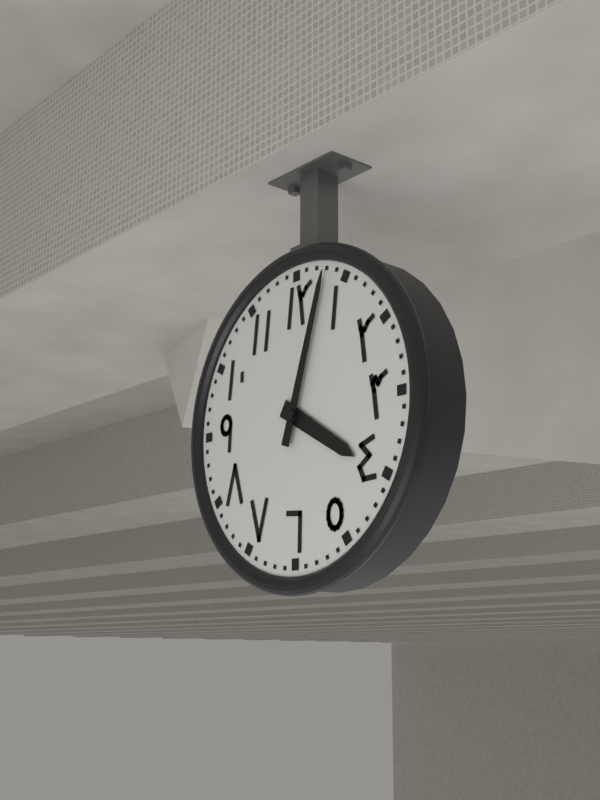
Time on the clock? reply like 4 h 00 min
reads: 4 h 03 min
